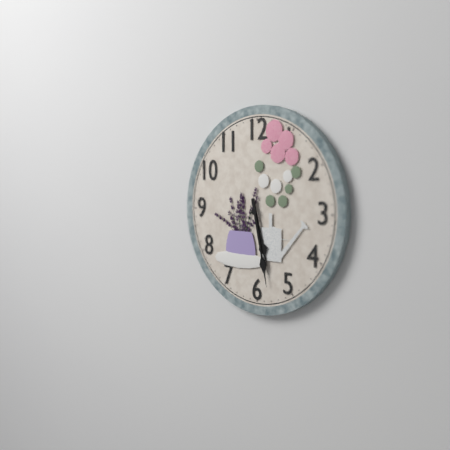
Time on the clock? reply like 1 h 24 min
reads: 5 h 28 min
